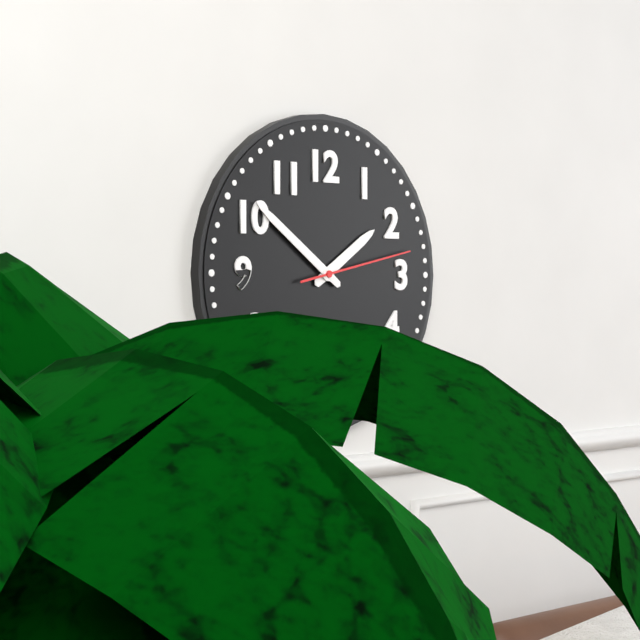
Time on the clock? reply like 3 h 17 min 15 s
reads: 1 h 51 min 13 s
